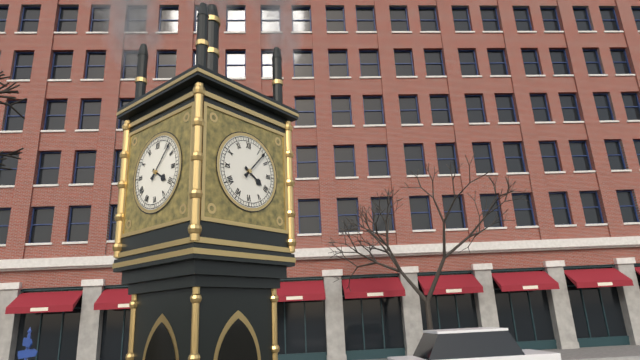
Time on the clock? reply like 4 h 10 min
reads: 4 h 07 min
